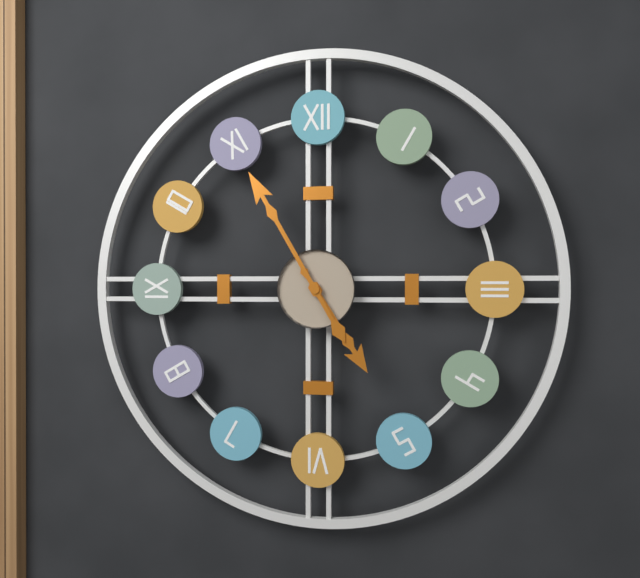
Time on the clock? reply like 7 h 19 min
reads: 4 h 55 min
